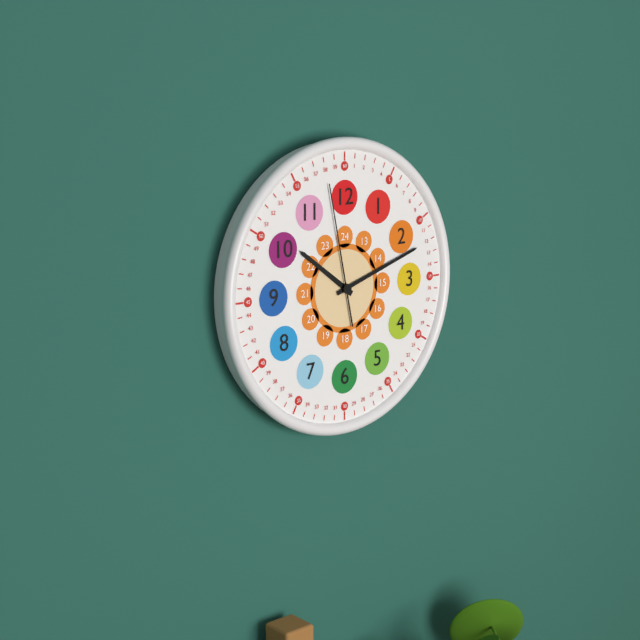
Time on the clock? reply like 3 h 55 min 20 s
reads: 10 h 12 min 58 s
